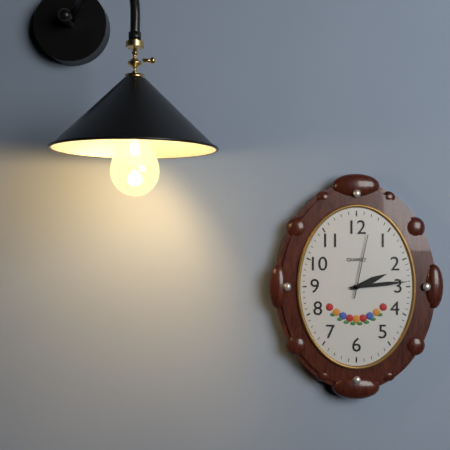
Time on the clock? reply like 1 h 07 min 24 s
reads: 2 h 14 min 02 s
